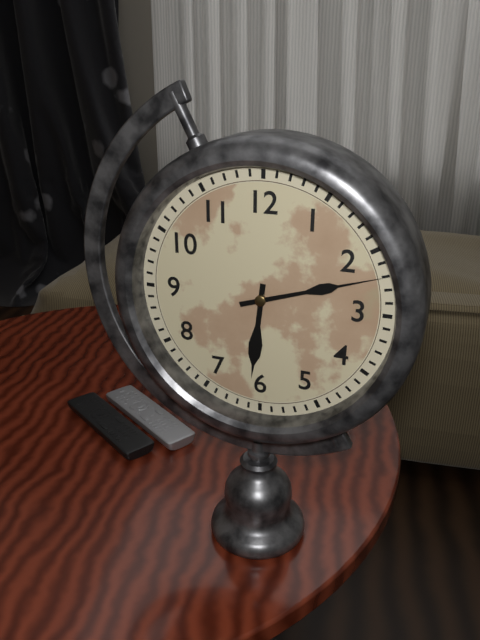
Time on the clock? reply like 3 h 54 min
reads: 6 h 12 min
